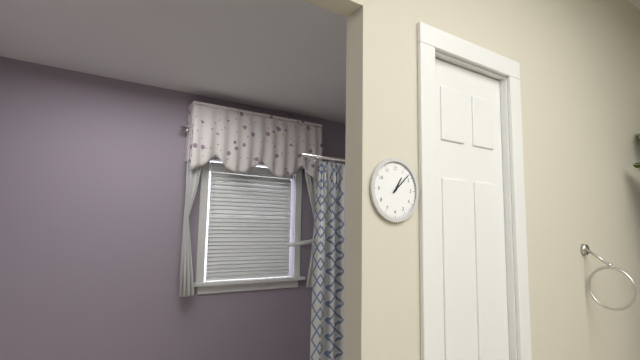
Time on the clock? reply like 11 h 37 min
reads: 1 h 08 min
